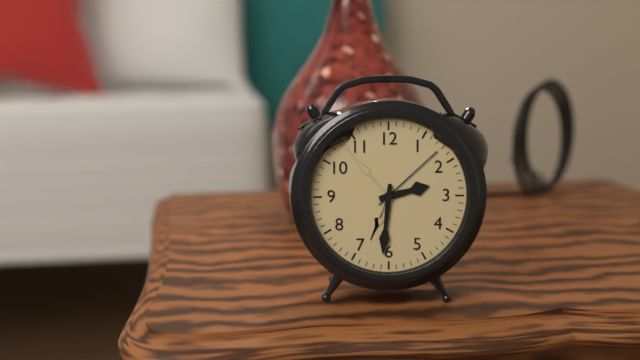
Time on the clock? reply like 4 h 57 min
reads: 2 h 31 min
